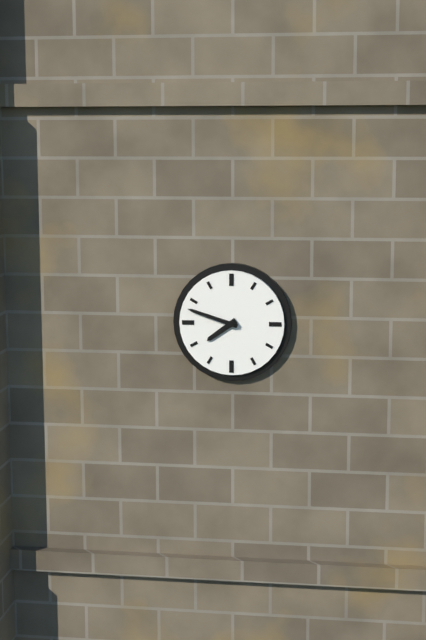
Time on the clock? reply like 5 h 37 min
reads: 7 h 48 min
